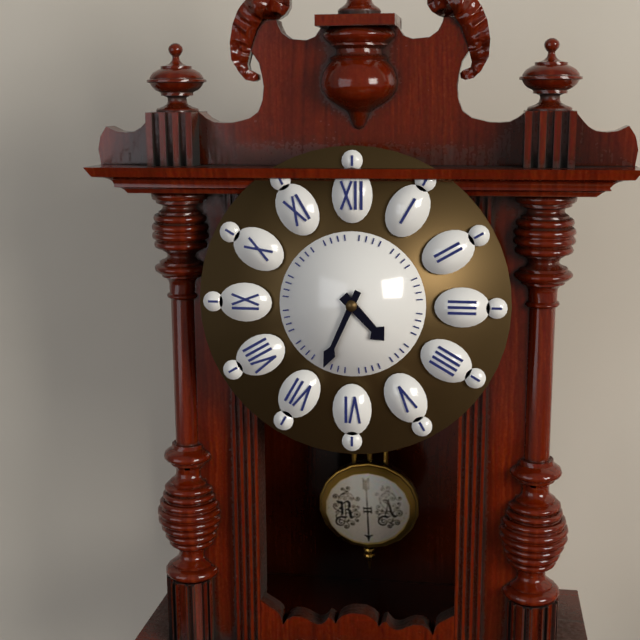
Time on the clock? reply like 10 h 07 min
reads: 4 h 34 min
